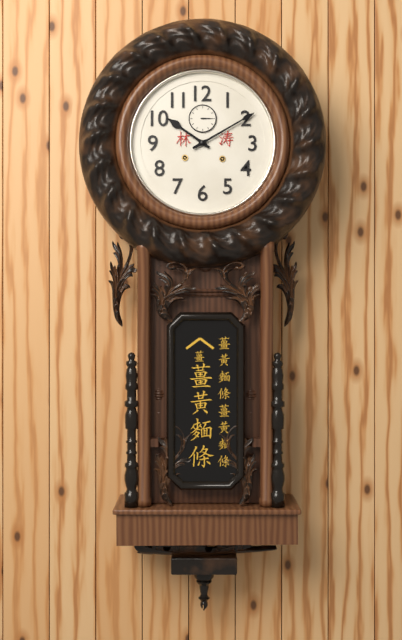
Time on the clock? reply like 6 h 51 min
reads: 10 h 10 min
